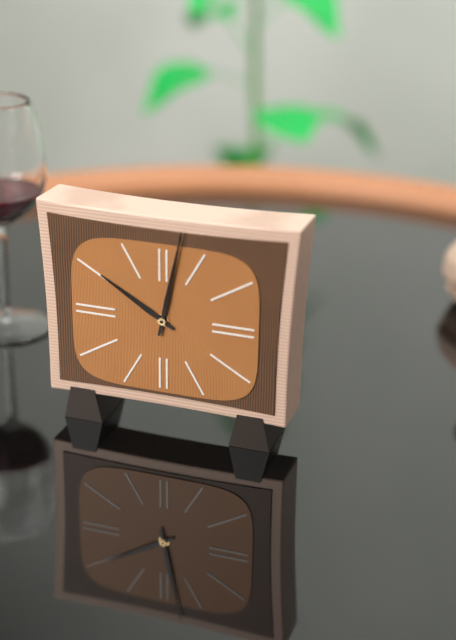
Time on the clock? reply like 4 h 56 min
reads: 10 h 02 min
